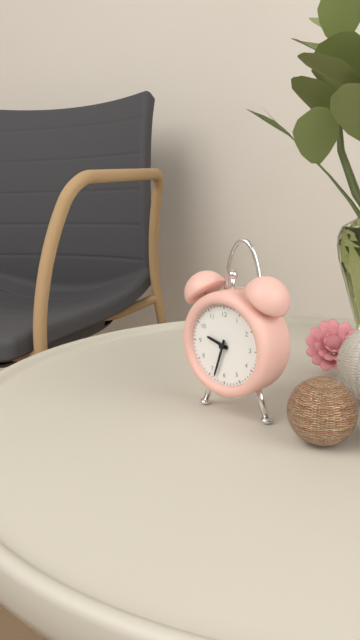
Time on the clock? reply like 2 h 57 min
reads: 9 h 33 min
